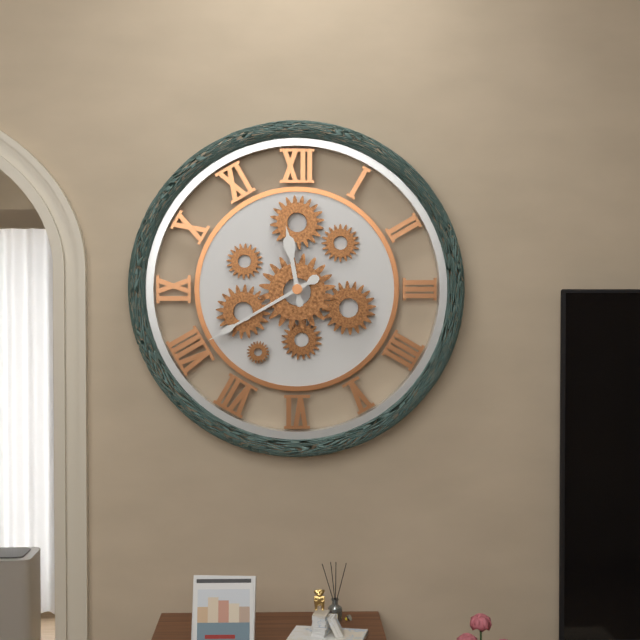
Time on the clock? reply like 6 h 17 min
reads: 11 h 40 min
